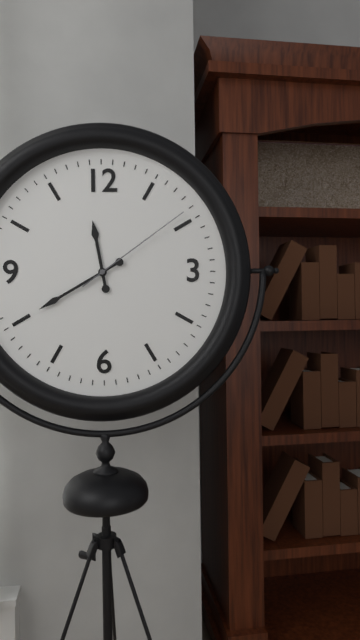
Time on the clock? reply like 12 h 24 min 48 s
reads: 11 h 40 min 09 s
